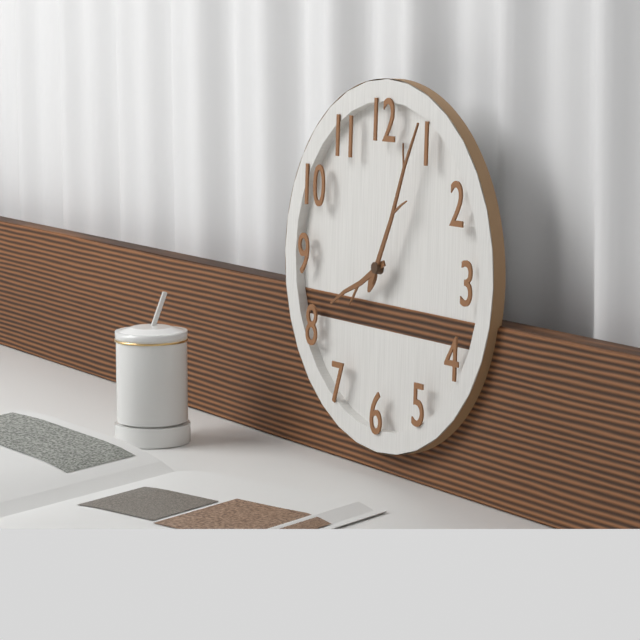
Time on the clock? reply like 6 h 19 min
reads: 8 h 04 min
